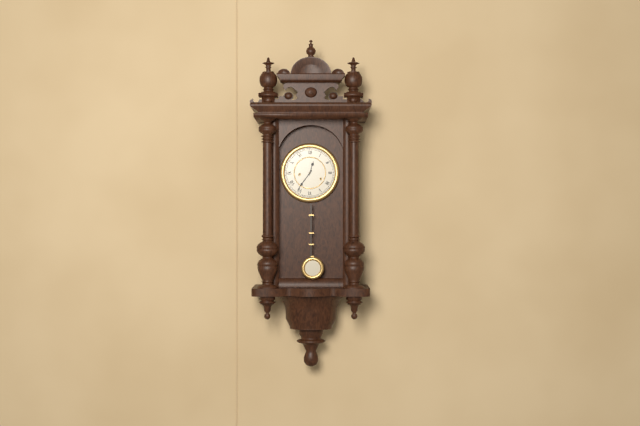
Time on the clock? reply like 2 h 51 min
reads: 12 h 36 min
